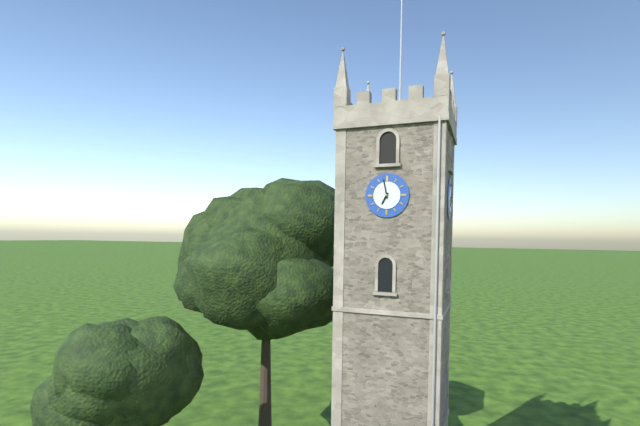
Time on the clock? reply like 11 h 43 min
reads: 6 h 58 min
